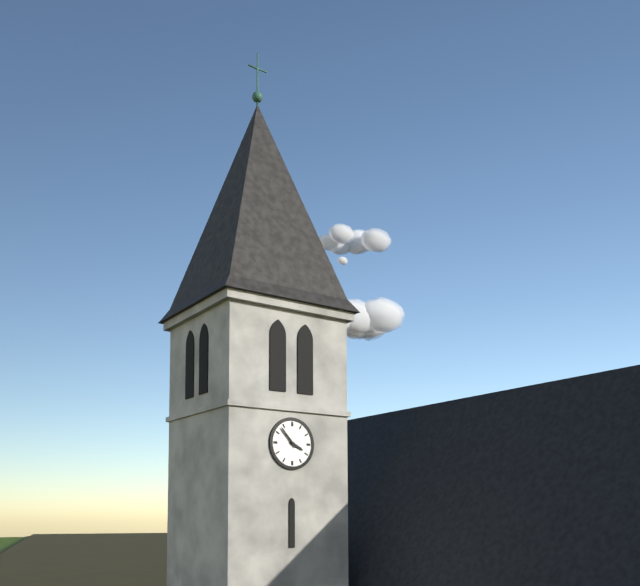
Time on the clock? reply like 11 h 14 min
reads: 3 h 53 min
